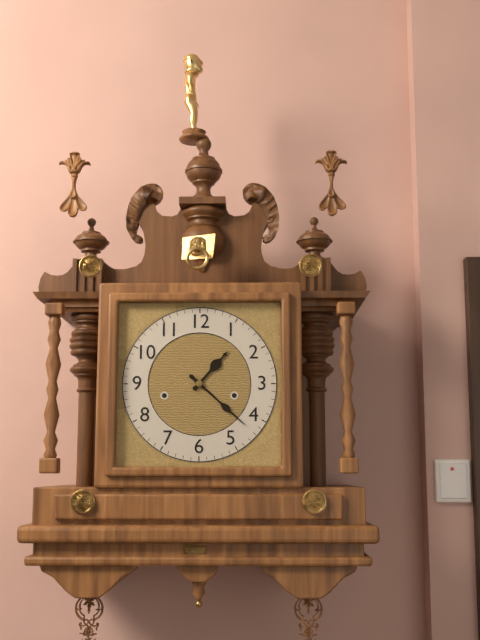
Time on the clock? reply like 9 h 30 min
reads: 1 h 22 min
